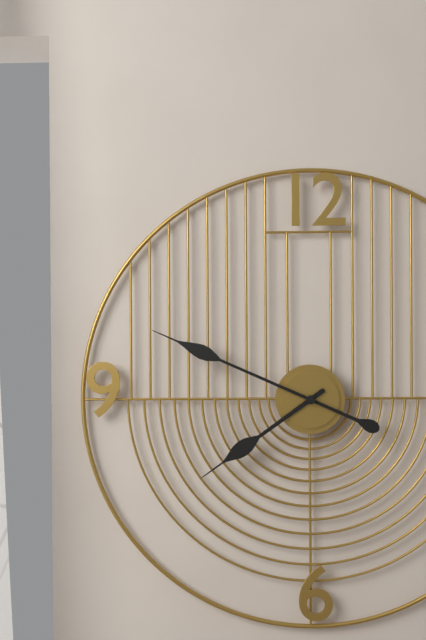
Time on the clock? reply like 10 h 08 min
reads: 7 h 49 min
